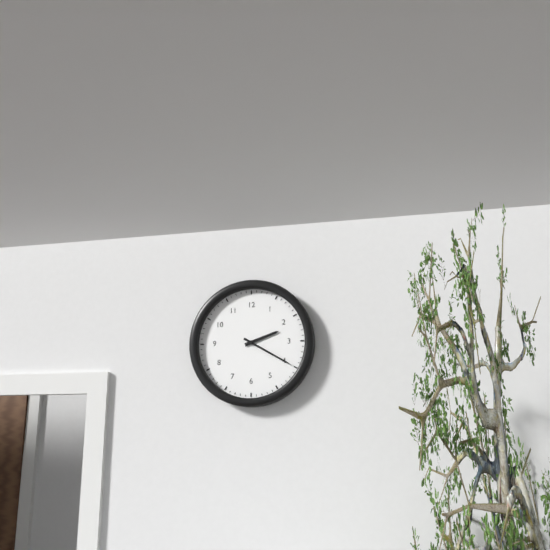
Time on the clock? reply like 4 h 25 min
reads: 2 h 20 min
